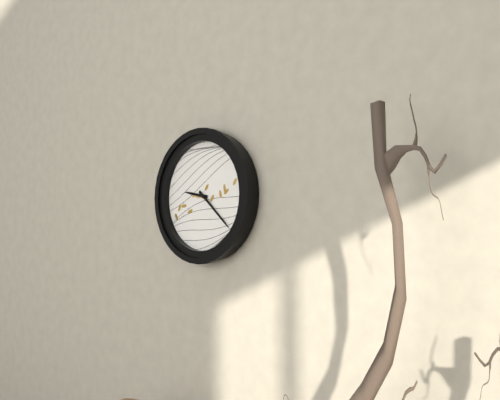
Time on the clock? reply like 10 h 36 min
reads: 9 h 22 min
